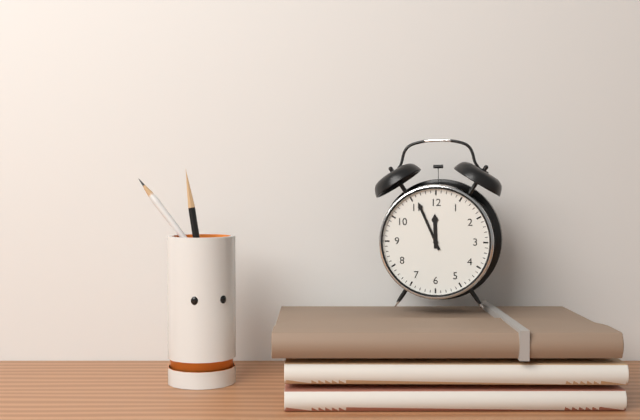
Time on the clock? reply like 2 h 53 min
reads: 11 h 56 min
